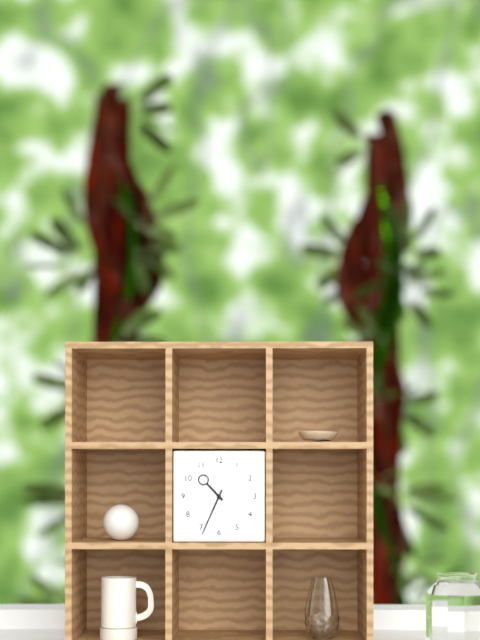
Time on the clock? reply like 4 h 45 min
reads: 10 h 34 min
